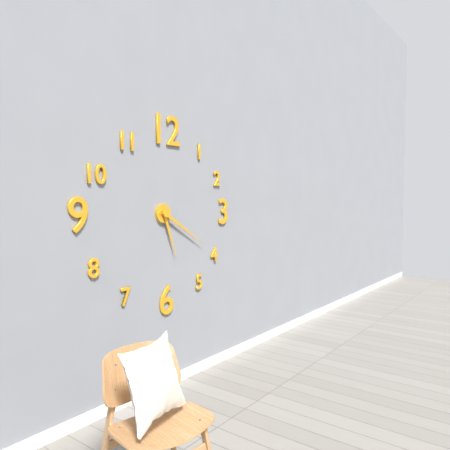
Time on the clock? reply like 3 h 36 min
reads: 5 h 20 min
